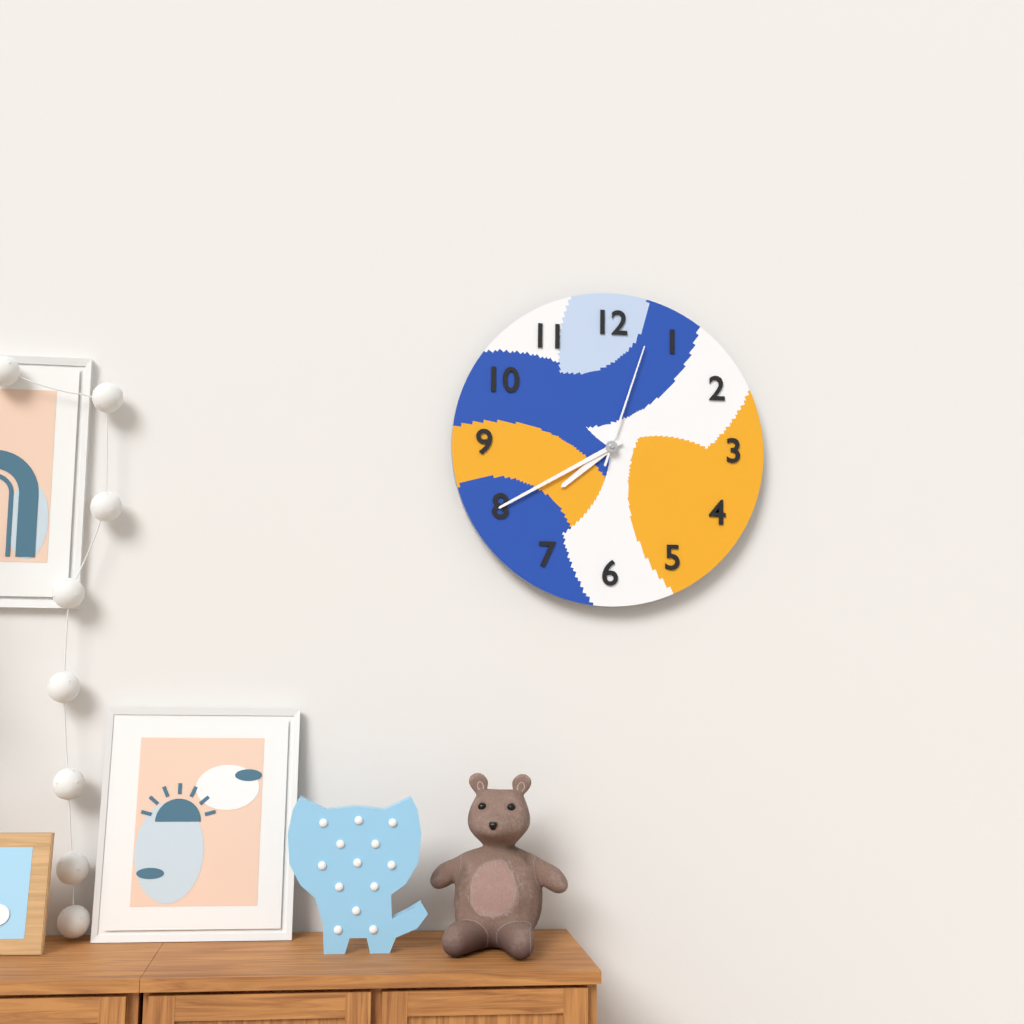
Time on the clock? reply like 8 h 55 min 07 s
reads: 7 h 40 min 03 s
